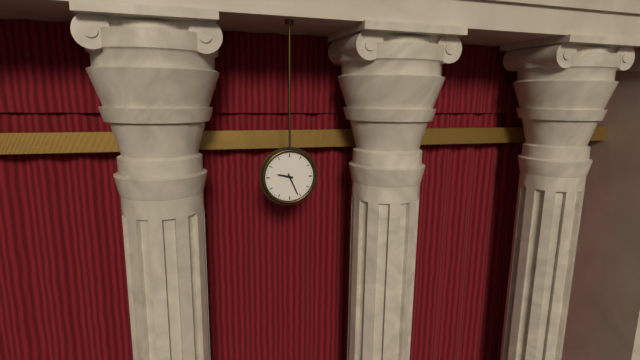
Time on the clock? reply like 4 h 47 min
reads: 9 h 26 min
